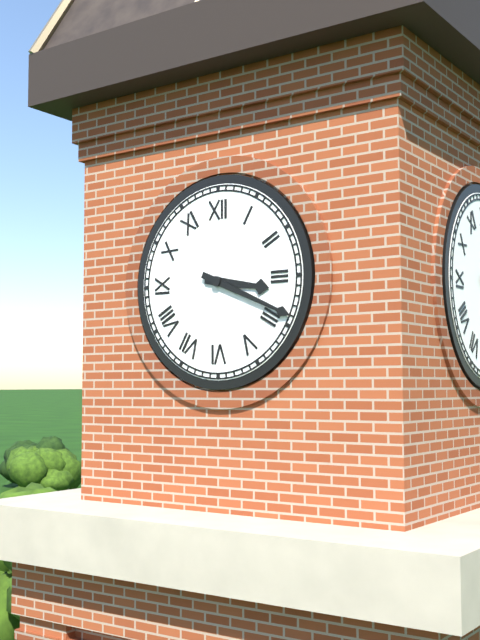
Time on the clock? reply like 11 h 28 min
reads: 3 h 19 min
